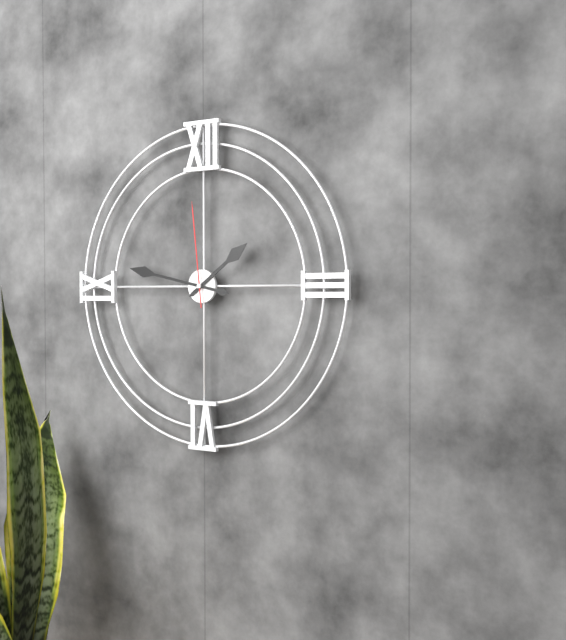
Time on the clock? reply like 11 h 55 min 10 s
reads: 1 h 47 min 59 s
